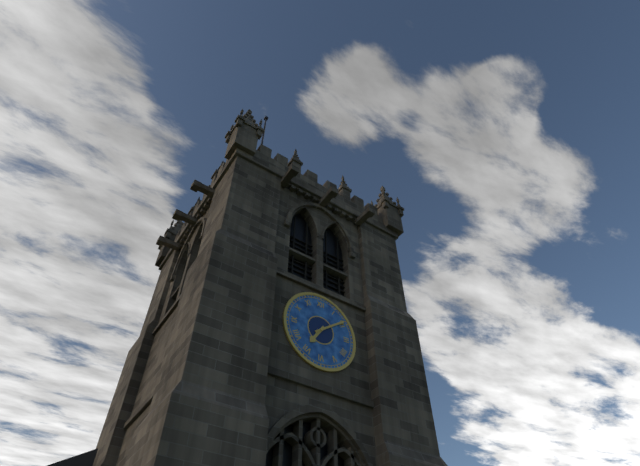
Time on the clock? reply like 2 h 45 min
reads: 7 h 09 min
